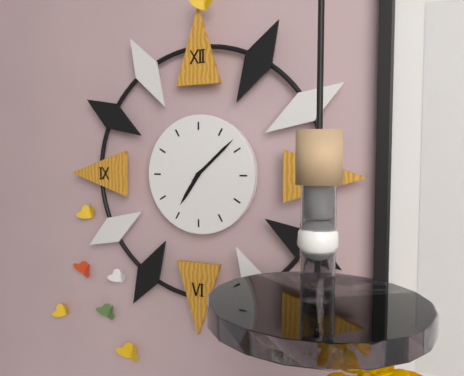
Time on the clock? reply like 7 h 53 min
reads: 7 h 08 min
